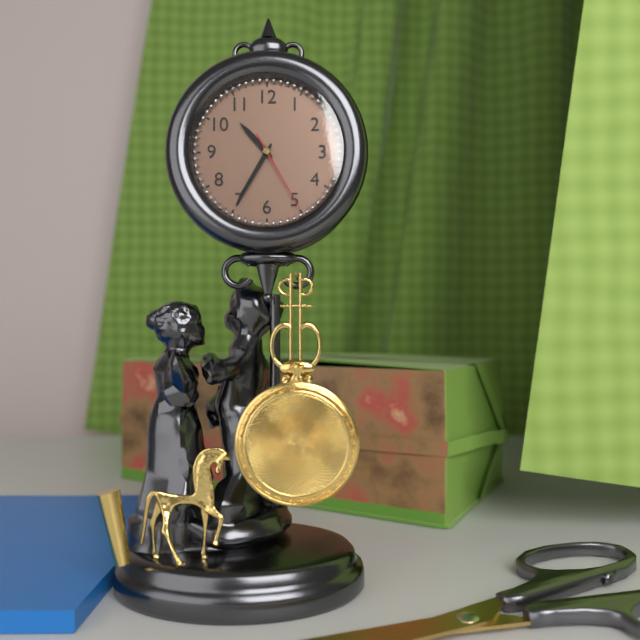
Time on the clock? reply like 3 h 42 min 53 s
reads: 10 h 35 min 25 s
